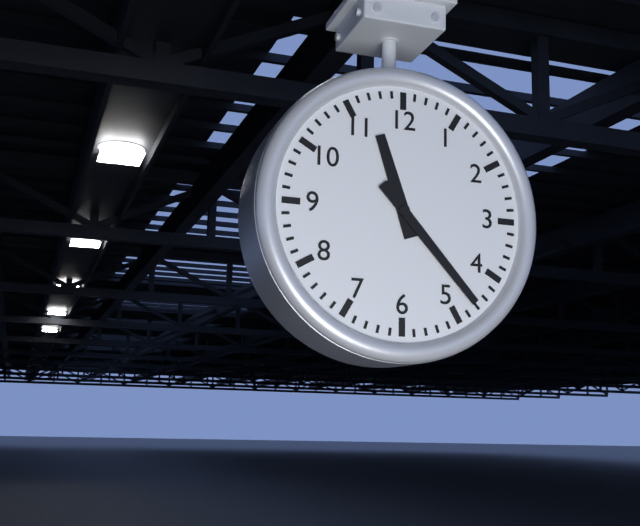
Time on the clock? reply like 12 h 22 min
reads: 11 h 23 min
